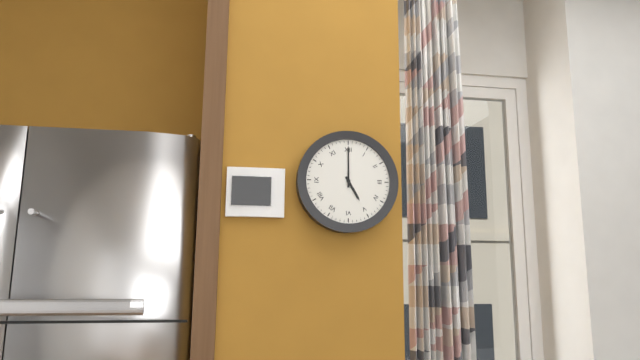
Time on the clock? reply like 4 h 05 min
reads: 5 h 00 min
